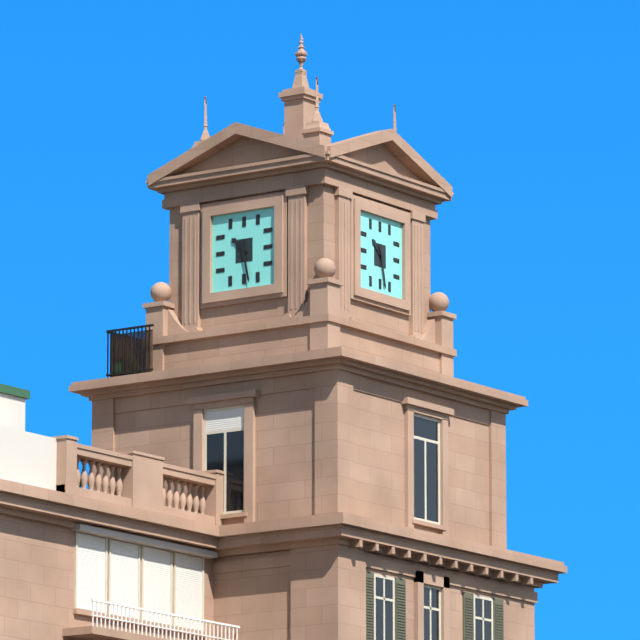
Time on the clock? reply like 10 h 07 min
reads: 10 h 28 min
